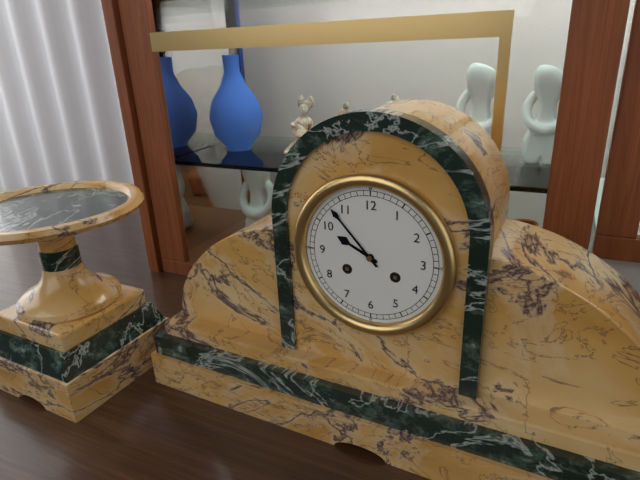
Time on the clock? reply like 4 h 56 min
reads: 9 h 53 min
